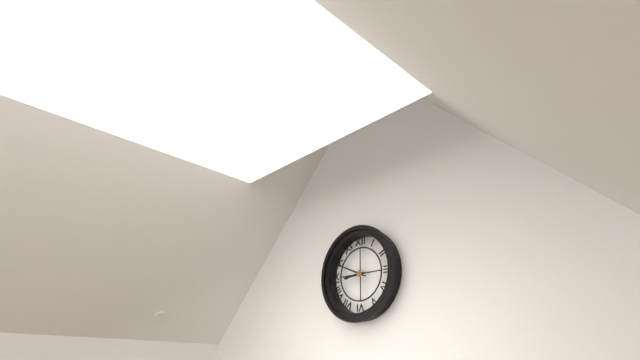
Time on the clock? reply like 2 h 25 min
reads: 8 h 49 min
